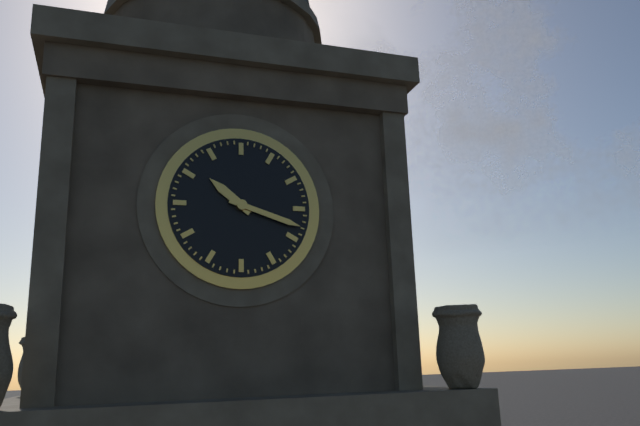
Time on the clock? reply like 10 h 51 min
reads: 10 h 18 min
